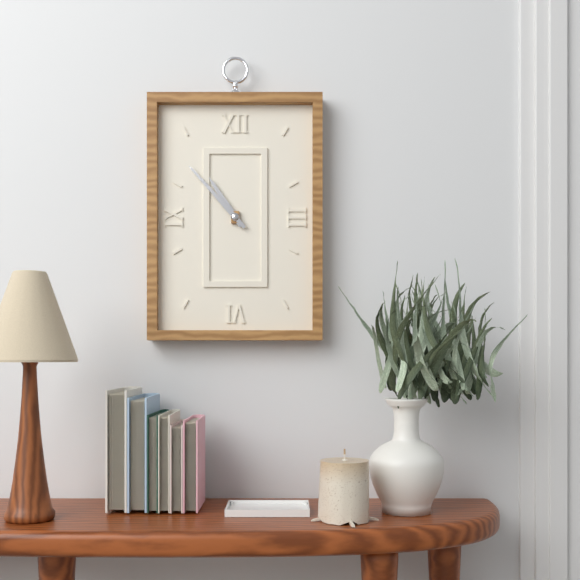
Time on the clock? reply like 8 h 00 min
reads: 10 h 53 min
